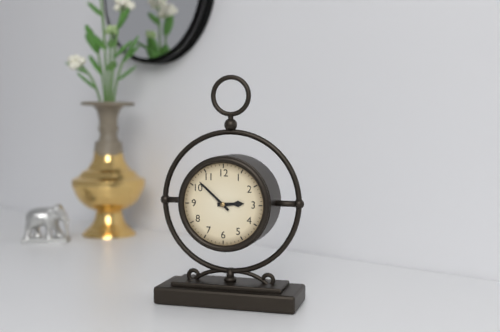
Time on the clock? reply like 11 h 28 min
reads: 2 h 52 min
